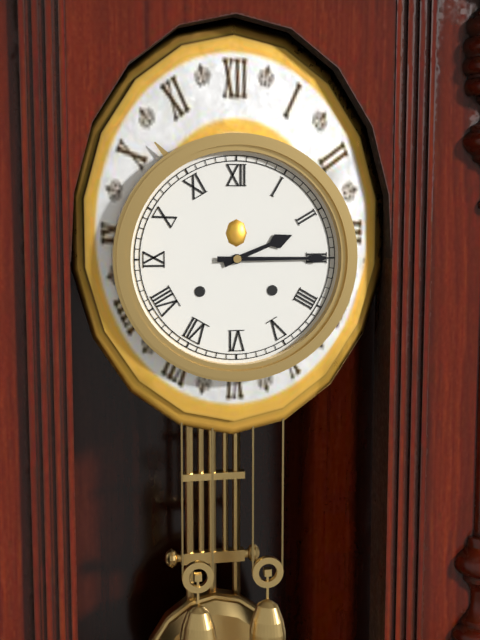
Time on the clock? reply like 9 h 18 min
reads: 2 h 15 min
